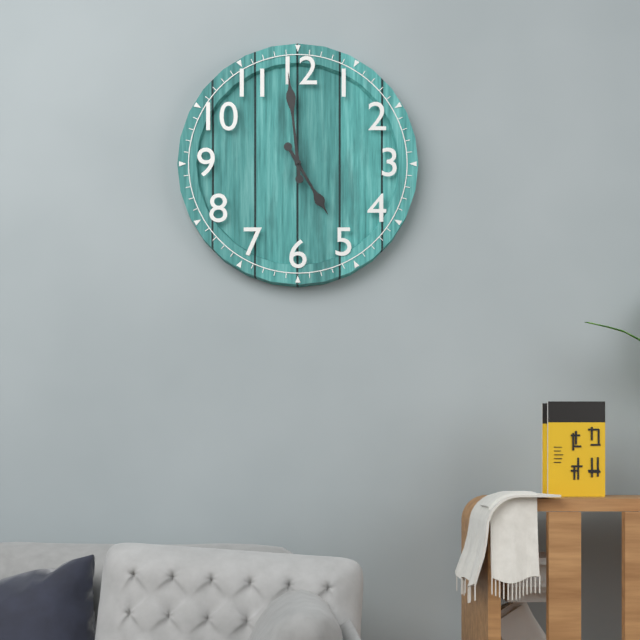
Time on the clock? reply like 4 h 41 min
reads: 4 h 59 min
